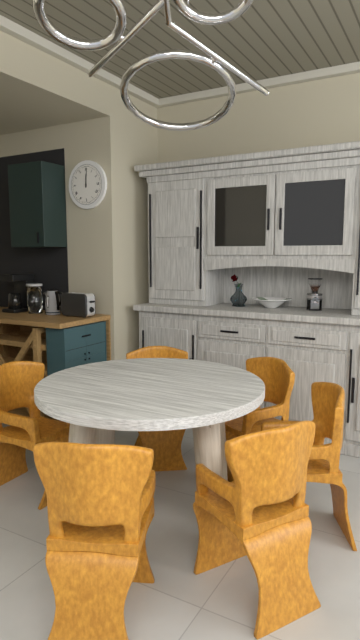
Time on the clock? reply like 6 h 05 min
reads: 12 h 01 min
